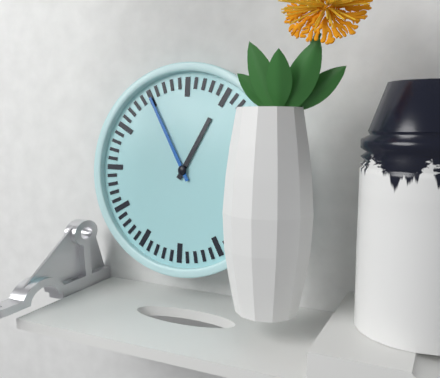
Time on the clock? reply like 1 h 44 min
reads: 12 h 55 min
